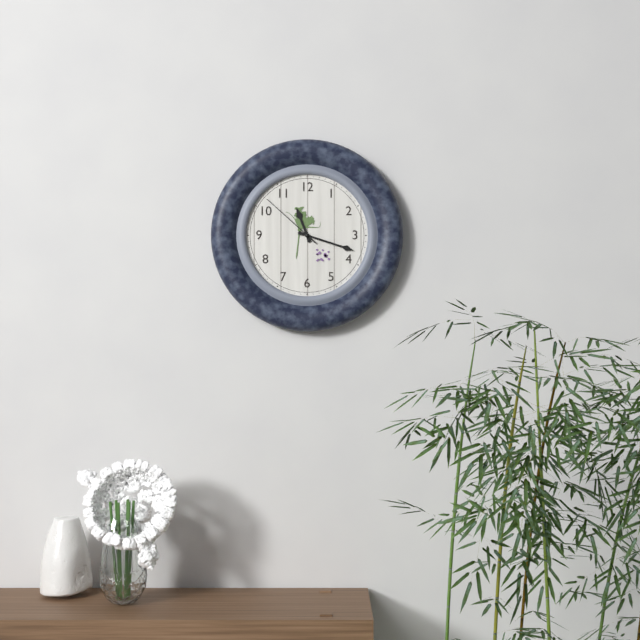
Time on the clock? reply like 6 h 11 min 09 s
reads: 11 h 18 min 52 s
